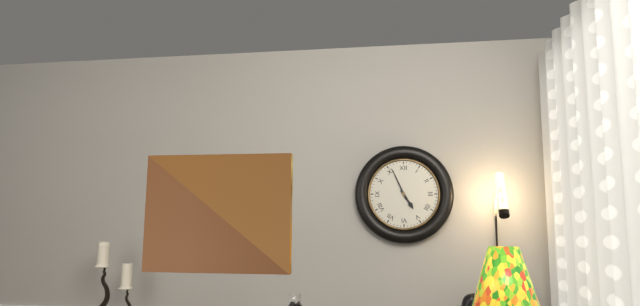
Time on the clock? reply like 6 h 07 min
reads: 4 h 56 min
